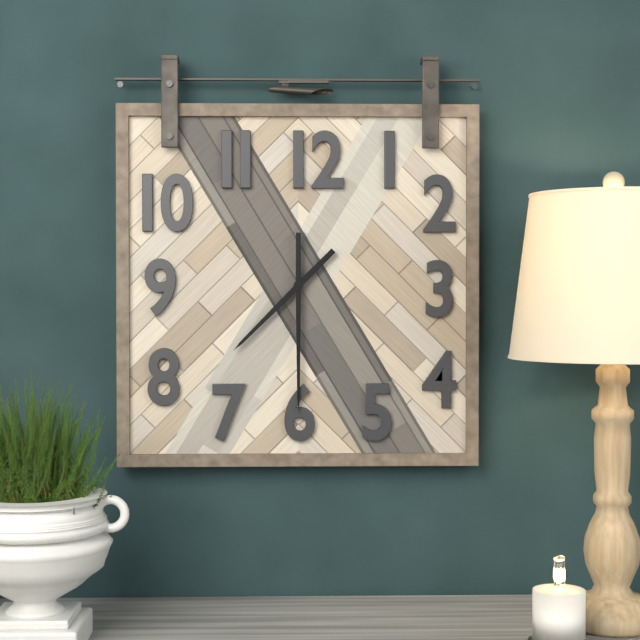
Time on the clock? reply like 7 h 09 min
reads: 7 h 30 min
